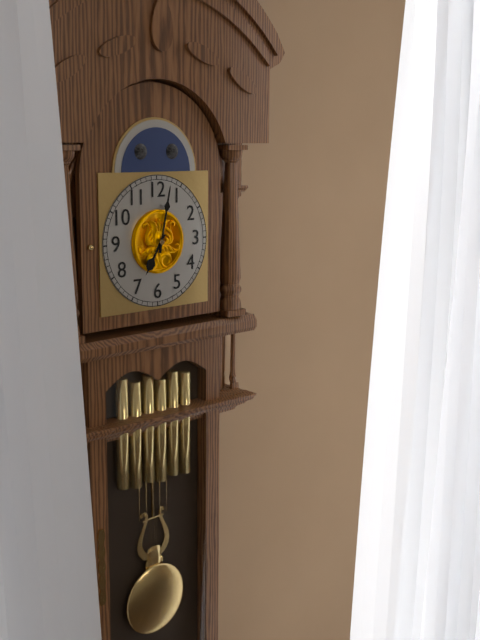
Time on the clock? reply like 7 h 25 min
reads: 7 h 02 min
